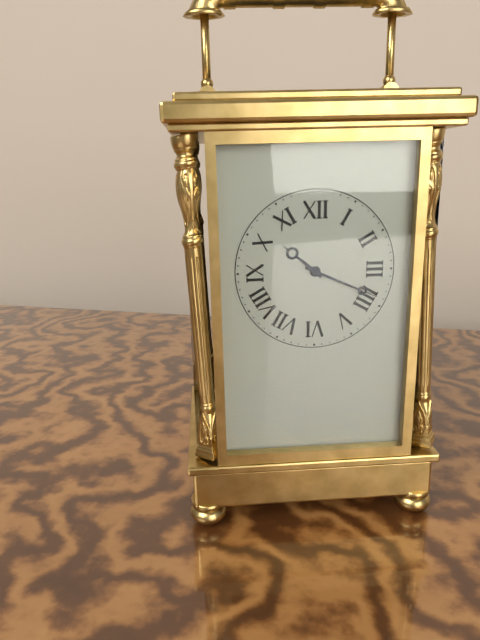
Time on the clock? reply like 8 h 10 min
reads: 10 h 19 min
